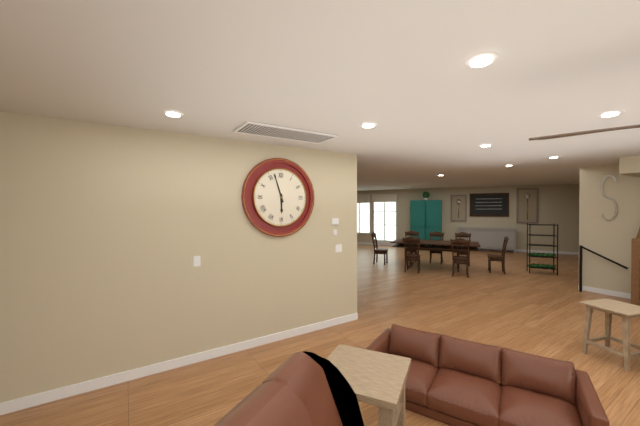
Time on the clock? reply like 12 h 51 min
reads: 5 h 57 min
